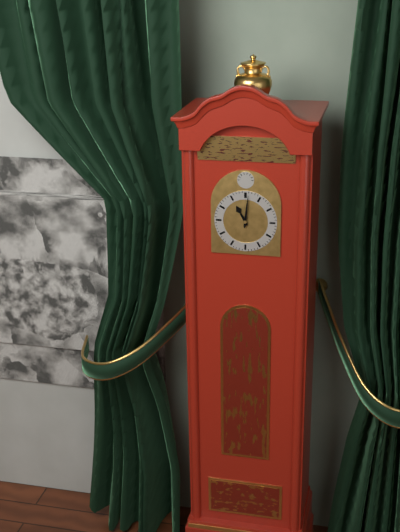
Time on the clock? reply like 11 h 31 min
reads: 11 h 01 min
